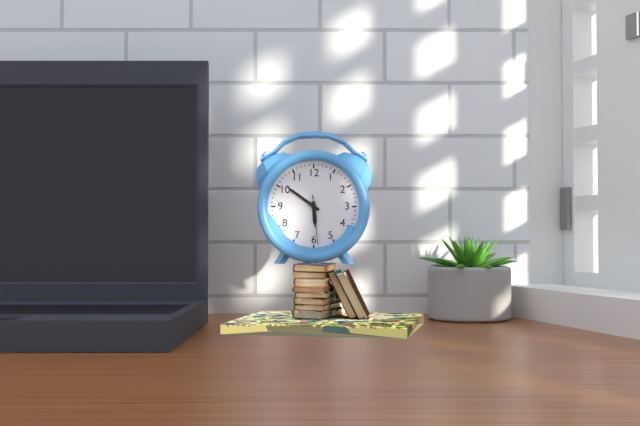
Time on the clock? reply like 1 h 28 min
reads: 5 h 51 min
